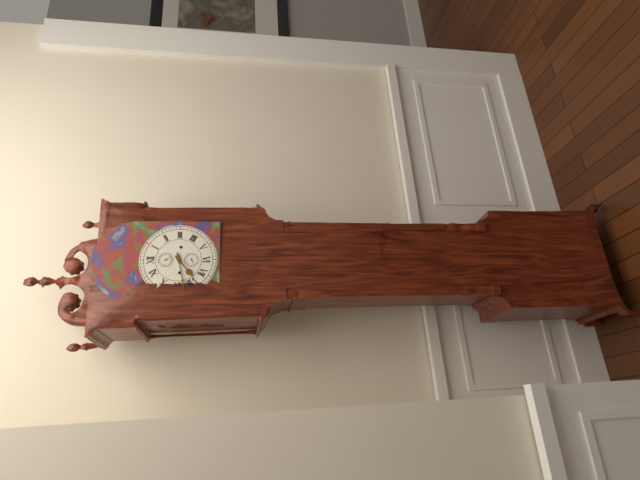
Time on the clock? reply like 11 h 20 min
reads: 7 h 43 min
